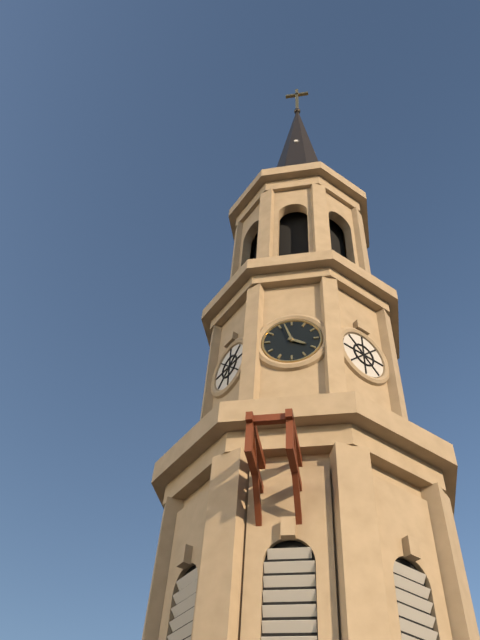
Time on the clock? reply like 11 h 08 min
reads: 3 h 57 min
